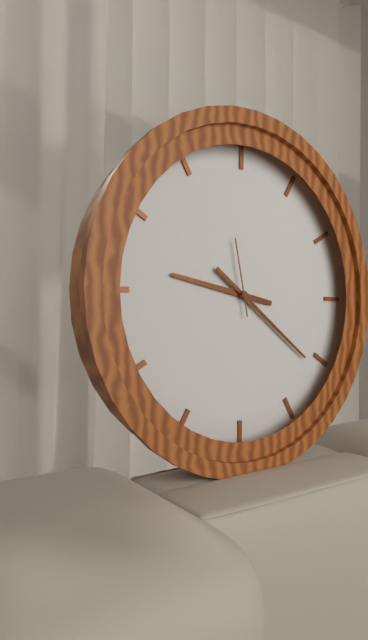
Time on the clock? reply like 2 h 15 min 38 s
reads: 9 h 21 min 58 s
